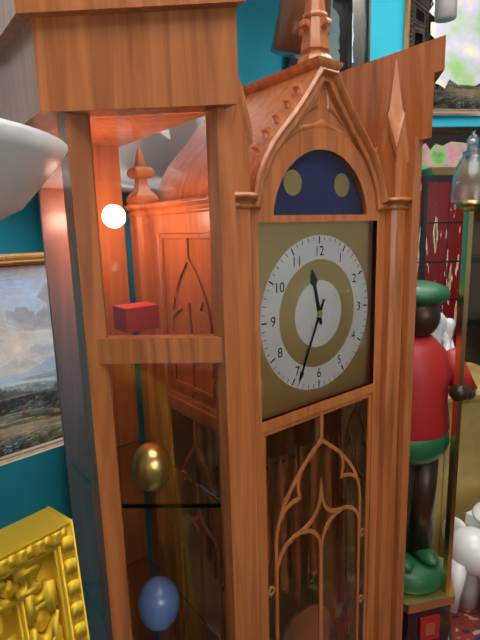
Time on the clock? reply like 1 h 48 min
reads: 11 h 34 min
